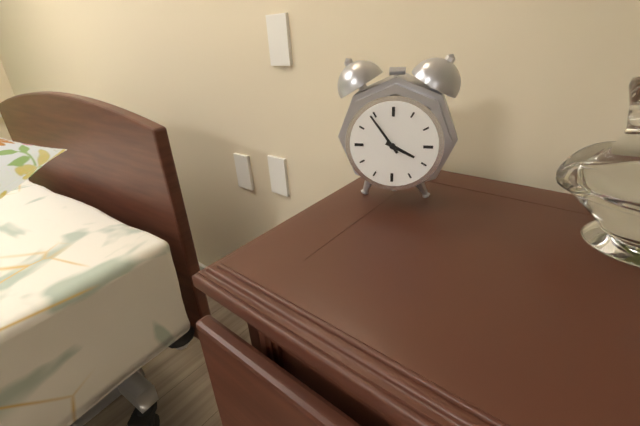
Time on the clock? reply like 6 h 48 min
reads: 3 h 54 min
